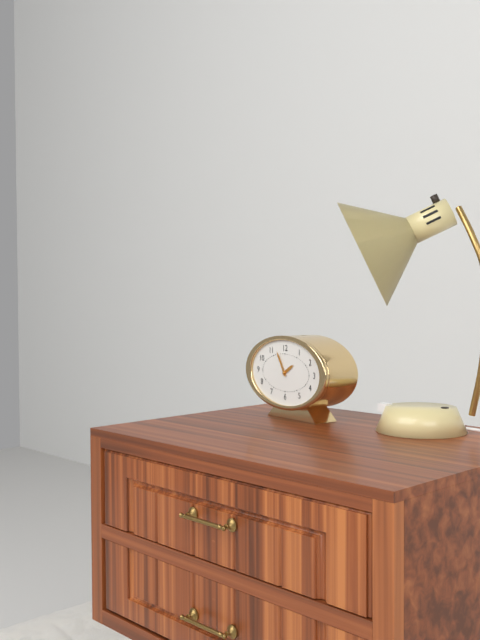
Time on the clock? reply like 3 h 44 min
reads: 1 h 55 min
